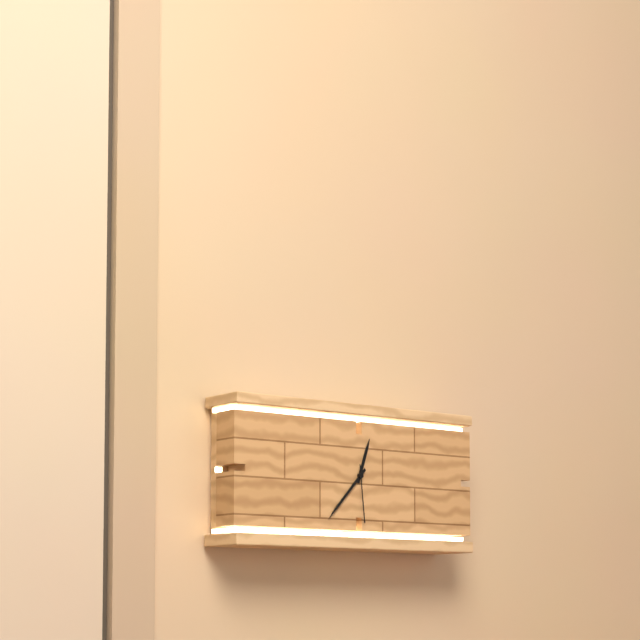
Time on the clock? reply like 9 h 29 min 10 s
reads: 12 h 37 min 29 s
